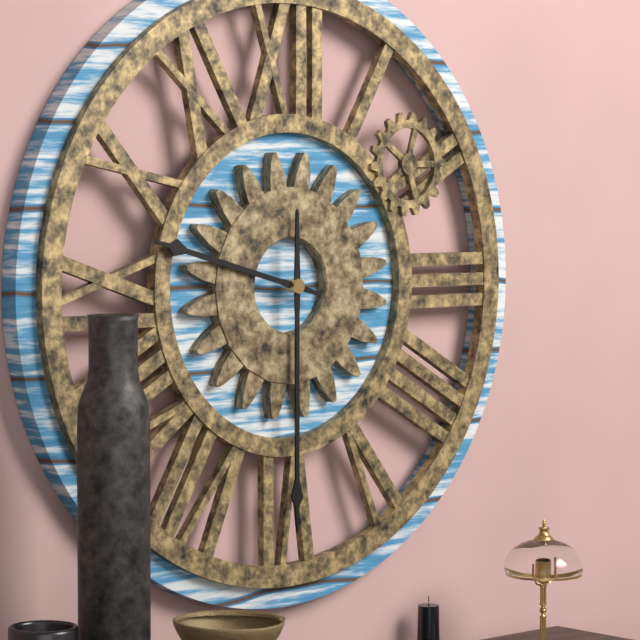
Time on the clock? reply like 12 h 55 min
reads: 9 h 30 min
